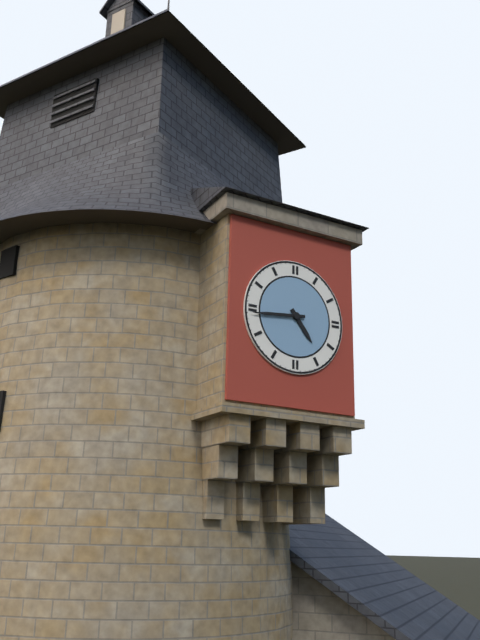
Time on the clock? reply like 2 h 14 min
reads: 4 h 44 min
